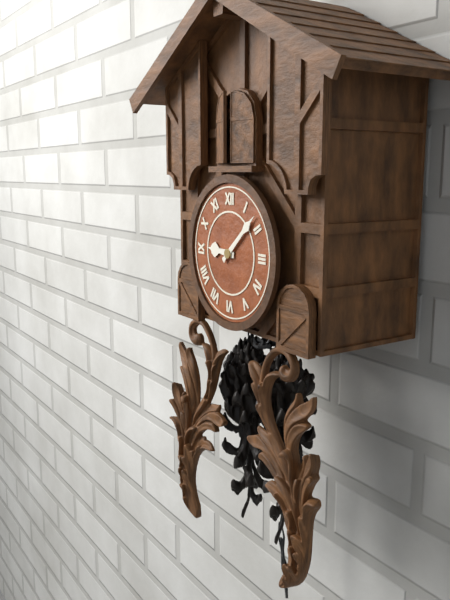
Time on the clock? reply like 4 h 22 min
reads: 9 h 08 min
